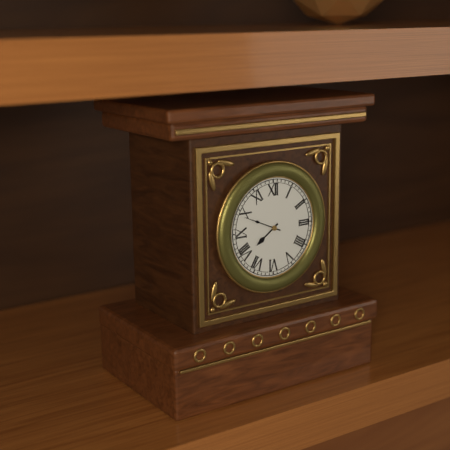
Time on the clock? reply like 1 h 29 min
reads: 7 h 49 min
